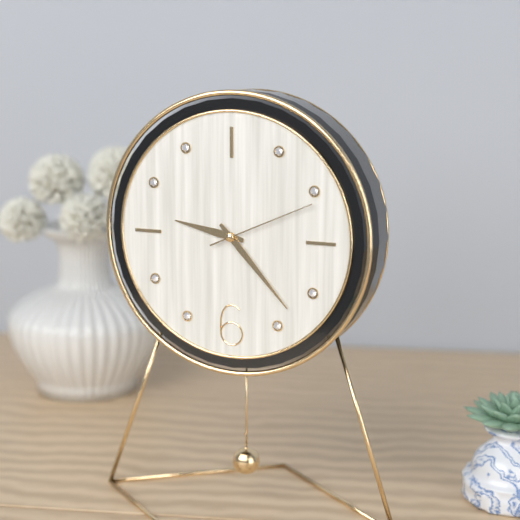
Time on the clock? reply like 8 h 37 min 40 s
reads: 9 h 23 min 11 s
